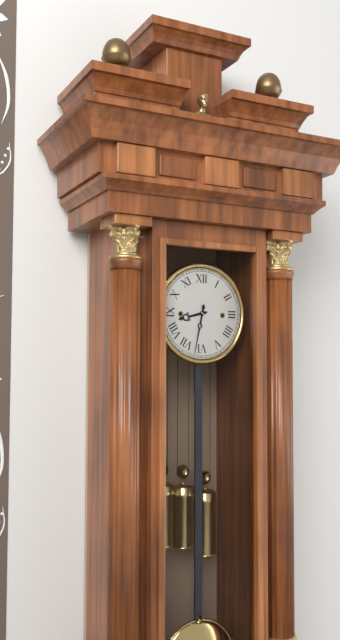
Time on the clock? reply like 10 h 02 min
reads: 8 h 32 min
